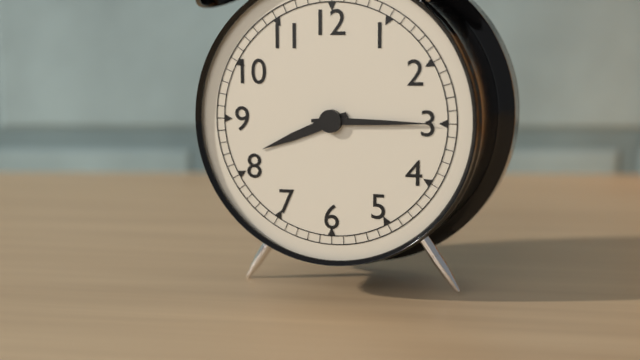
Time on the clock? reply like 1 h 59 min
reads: 8 h 15 min
